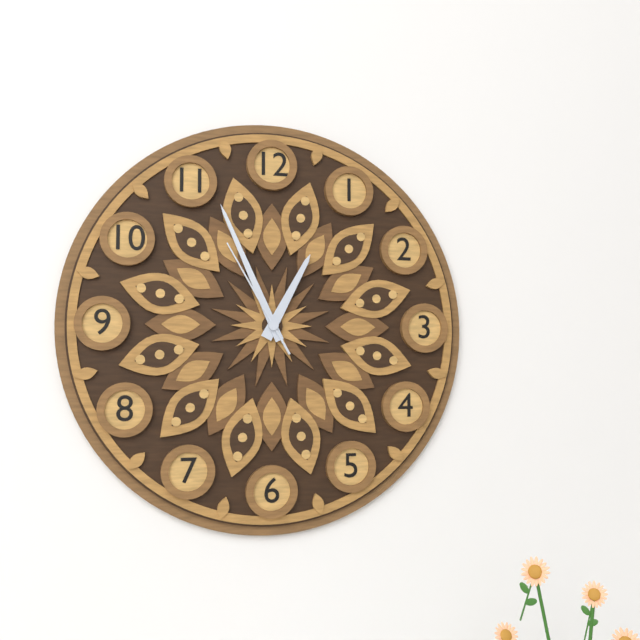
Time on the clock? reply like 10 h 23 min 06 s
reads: 12 h 56 min 55 s
